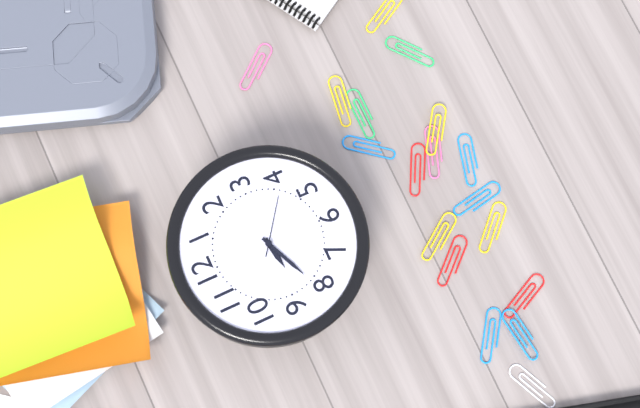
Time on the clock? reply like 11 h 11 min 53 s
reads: 8 h 41 min 21 s
